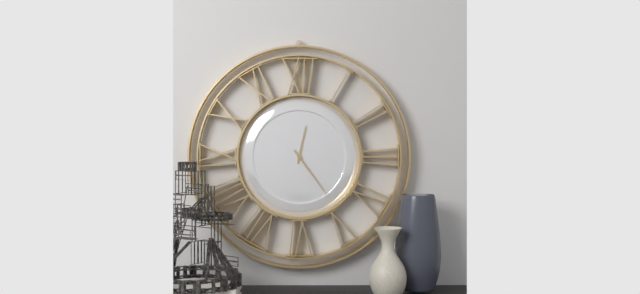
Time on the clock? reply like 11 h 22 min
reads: 12 h 24 min
